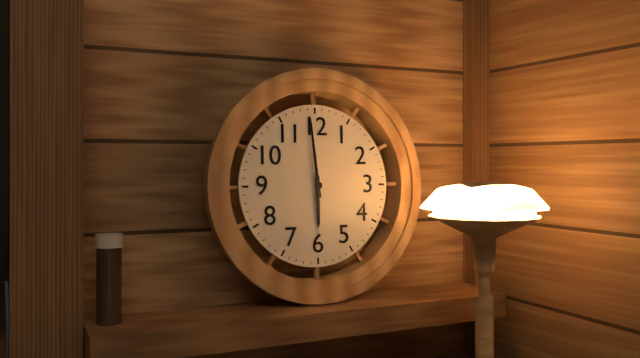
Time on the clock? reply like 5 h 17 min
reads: 5 h 59 min
